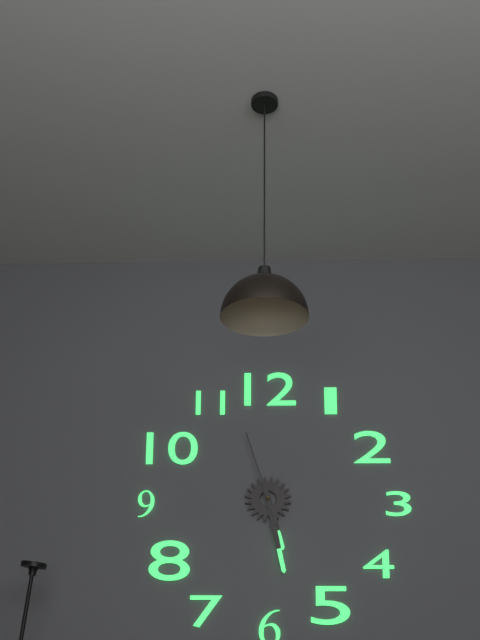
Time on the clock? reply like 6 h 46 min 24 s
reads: 5 h 28 min 57 s
